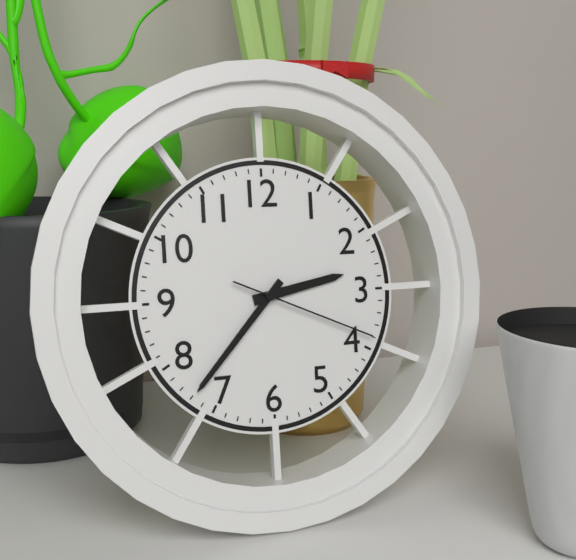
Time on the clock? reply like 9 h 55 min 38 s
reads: 2 h 37 min 19 s
